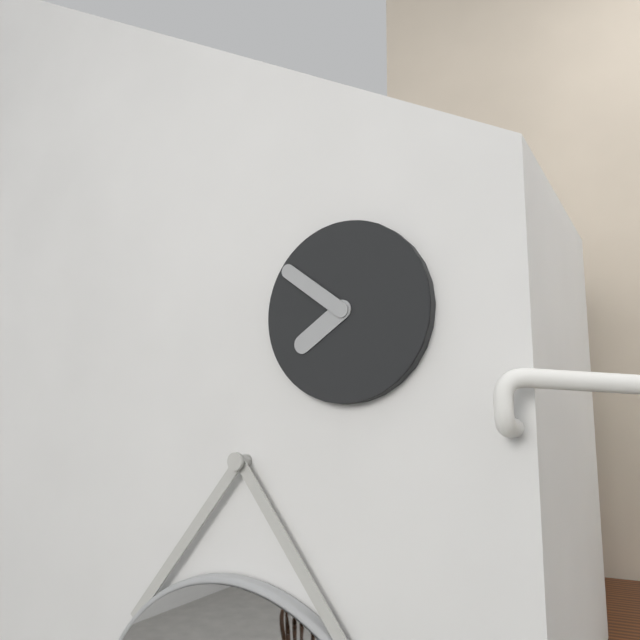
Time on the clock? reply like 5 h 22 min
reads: 7 h 51 min
